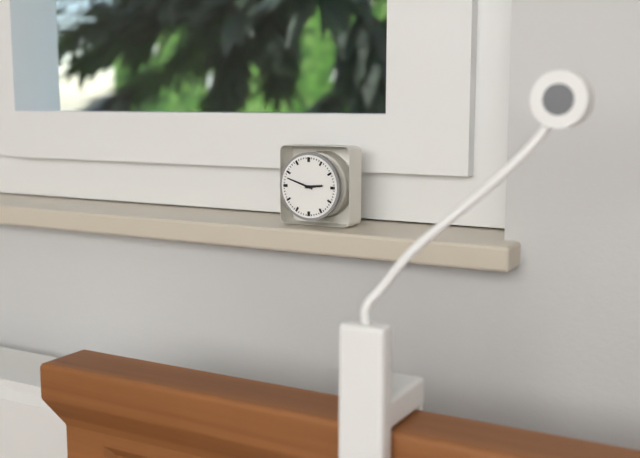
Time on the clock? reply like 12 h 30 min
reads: 2 h 48 min
